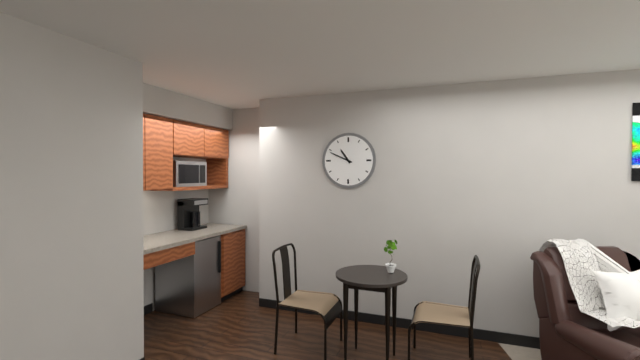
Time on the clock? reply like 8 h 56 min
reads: 10 h 49 min
